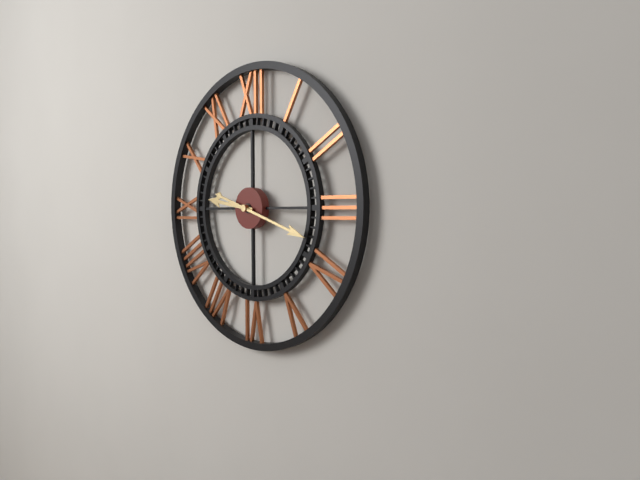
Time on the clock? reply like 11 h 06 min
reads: 9 h 18 min
